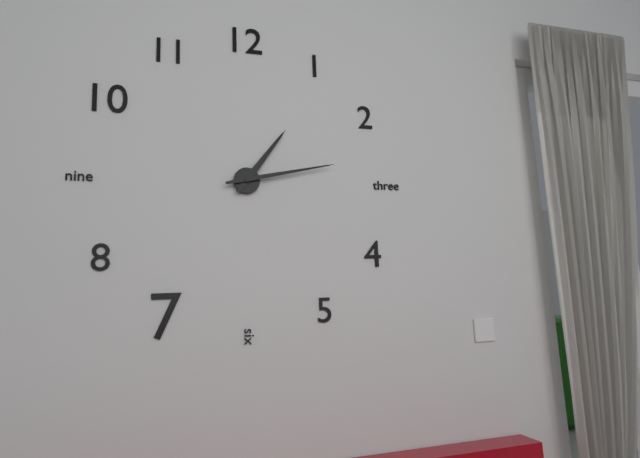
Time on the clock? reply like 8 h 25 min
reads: 1 h 13 min
